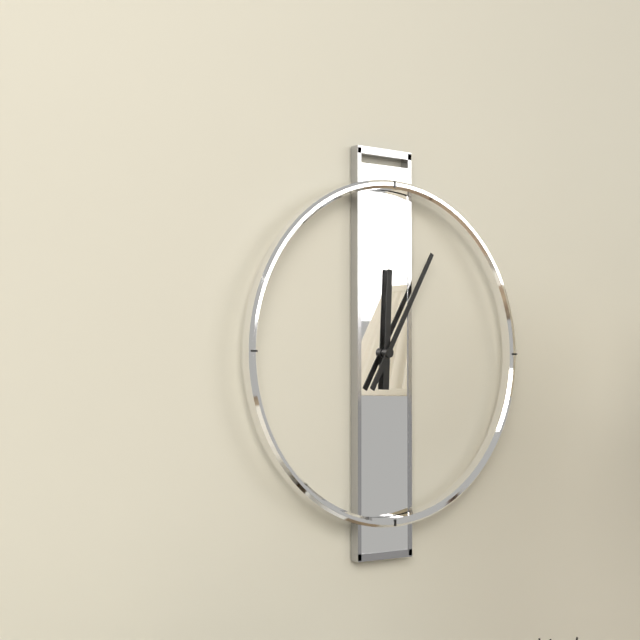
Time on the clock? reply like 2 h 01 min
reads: 12 h 05 min
